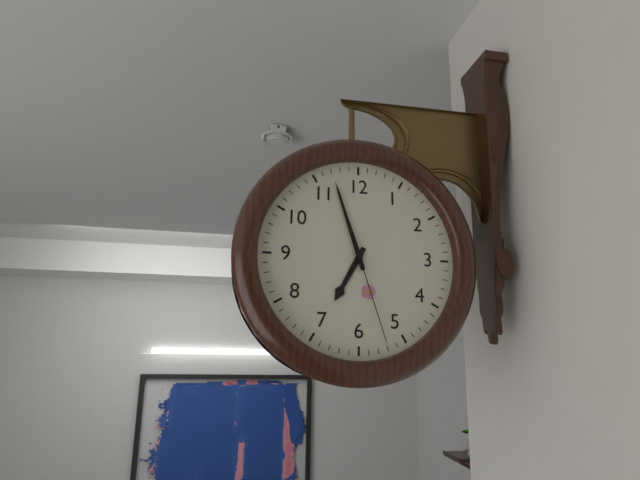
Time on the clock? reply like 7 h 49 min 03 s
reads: 6 h 57 min 27 s
